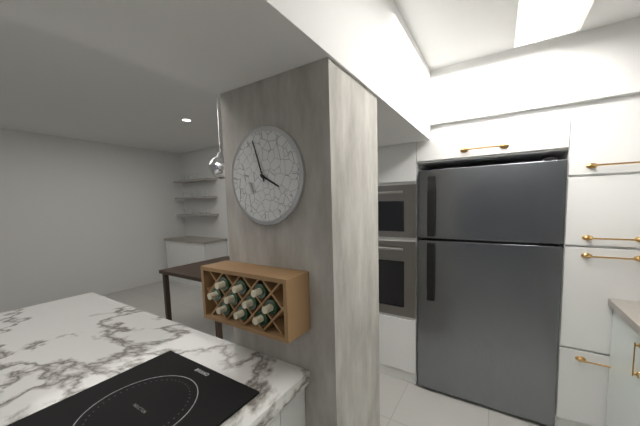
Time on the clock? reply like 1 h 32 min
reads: 3 h 57 min
